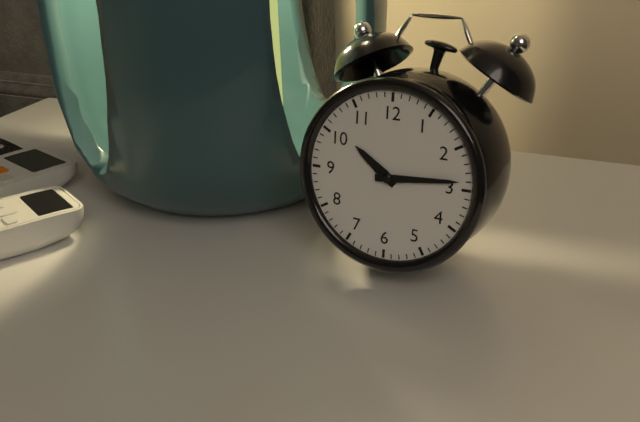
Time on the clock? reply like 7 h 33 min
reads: 10 h 14 min
